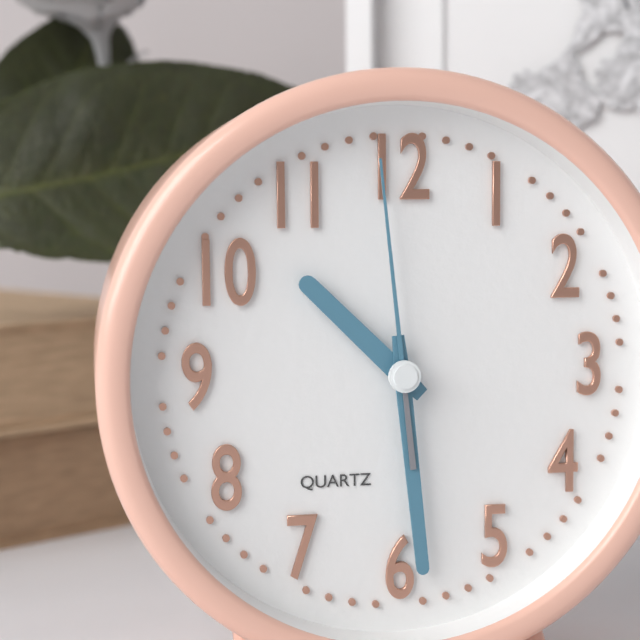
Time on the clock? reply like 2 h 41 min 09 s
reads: 10 h 29 min 59 s
